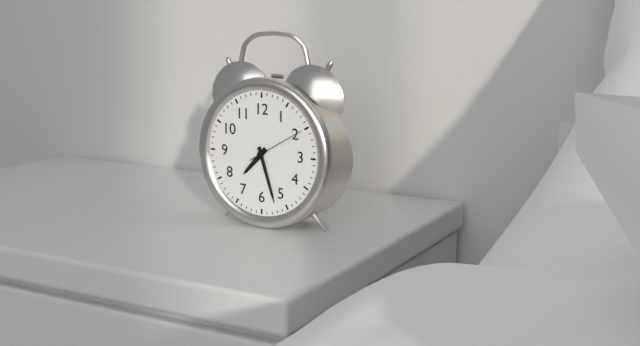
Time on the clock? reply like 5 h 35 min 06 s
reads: 7 h 27 min 10 s
